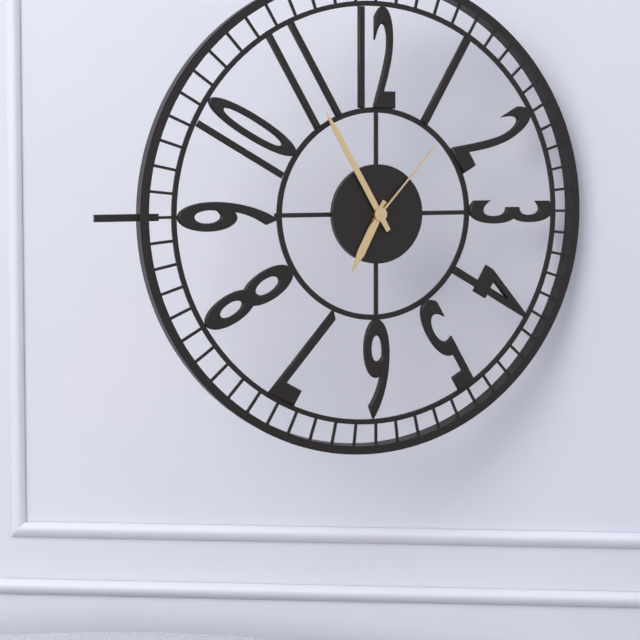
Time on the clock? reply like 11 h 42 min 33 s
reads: 6 h 55 min 07 s
